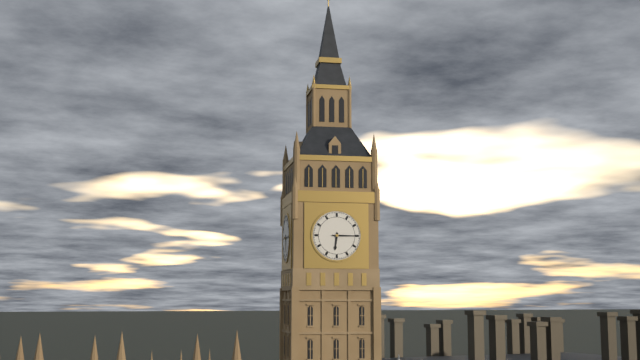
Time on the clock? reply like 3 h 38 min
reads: 6 h 15 min
